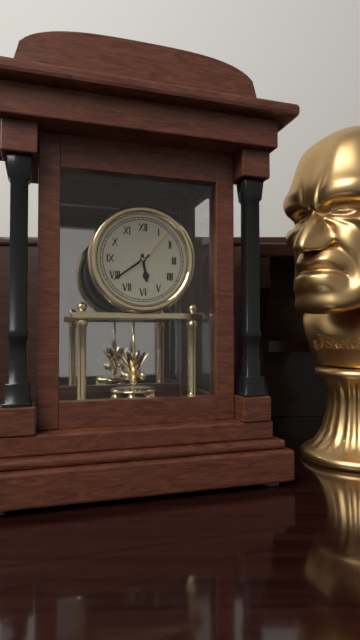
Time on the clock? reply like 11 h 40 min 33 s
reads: 5 h 39 min 07 s
